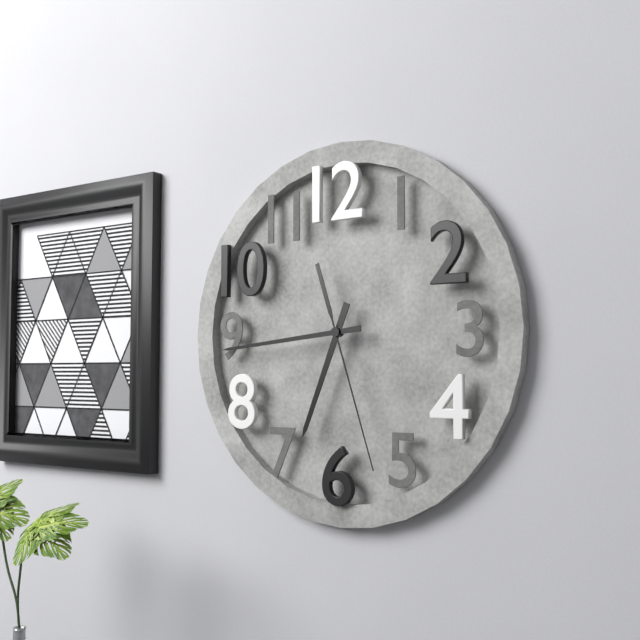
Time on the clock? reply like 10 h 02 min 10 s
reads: 6 h 44 min 27 s
